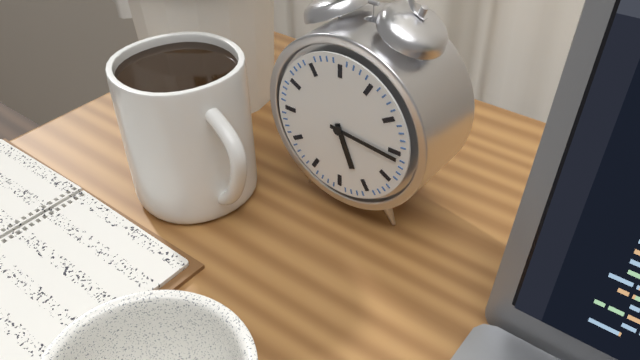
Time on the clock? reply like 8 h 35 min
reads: 5 h 16 min
